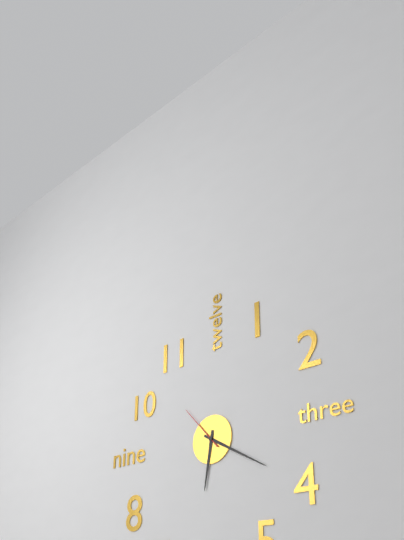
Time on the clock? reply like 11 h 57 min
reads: 6 h 20 min
